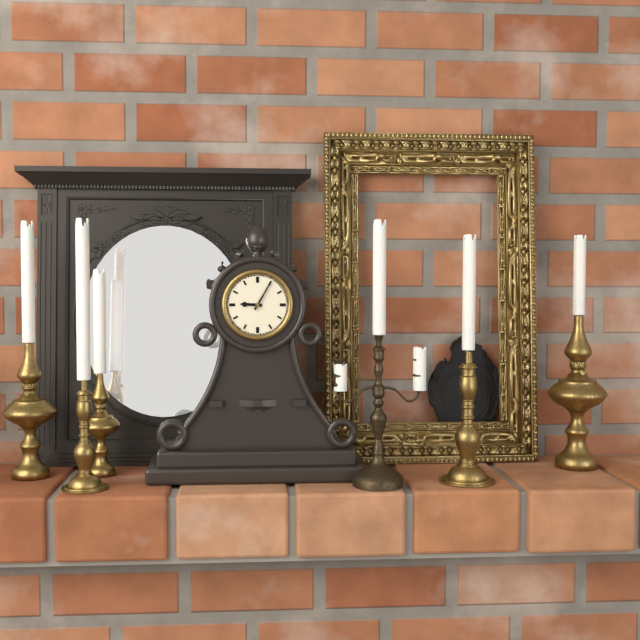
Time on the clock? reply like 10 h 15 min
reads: 9 h 05 min
